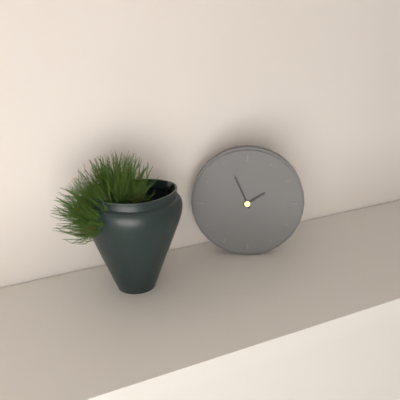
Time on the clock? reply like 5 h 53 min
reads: 1 h 56 min
